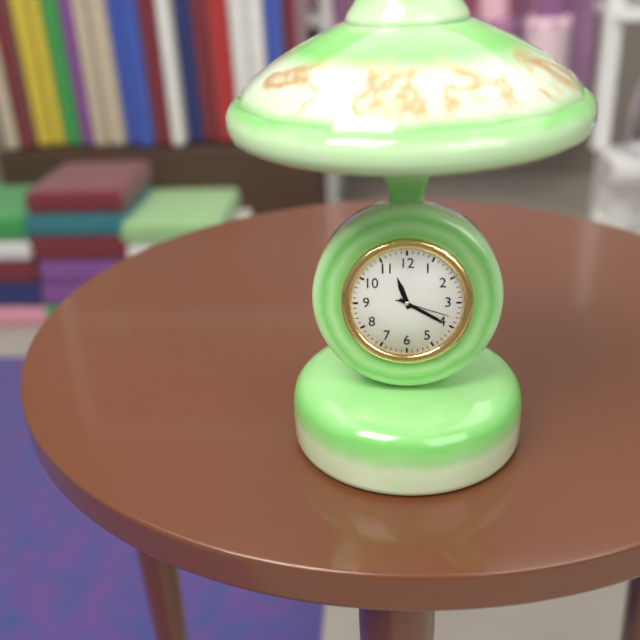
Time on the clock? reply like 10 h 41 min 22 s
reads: 11 h 20 min 18 s
